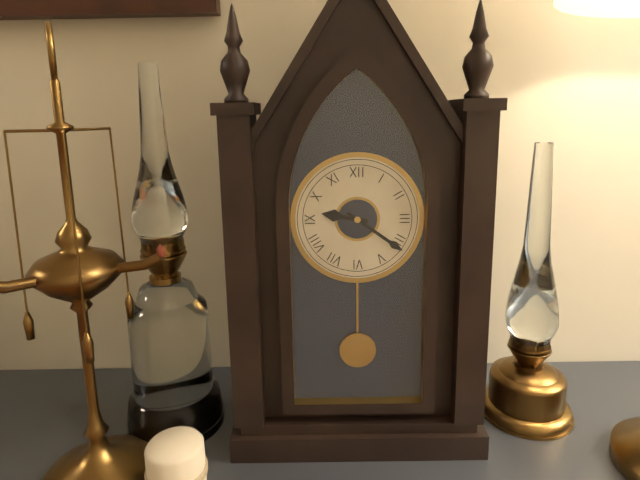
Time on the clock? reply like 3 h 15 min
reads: 9 h 21 min
